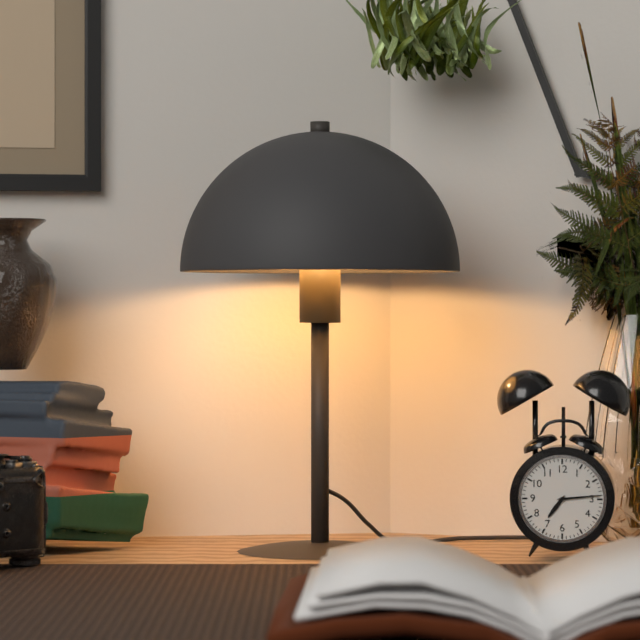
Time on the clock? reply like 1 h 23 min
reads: 7 h 14 min
